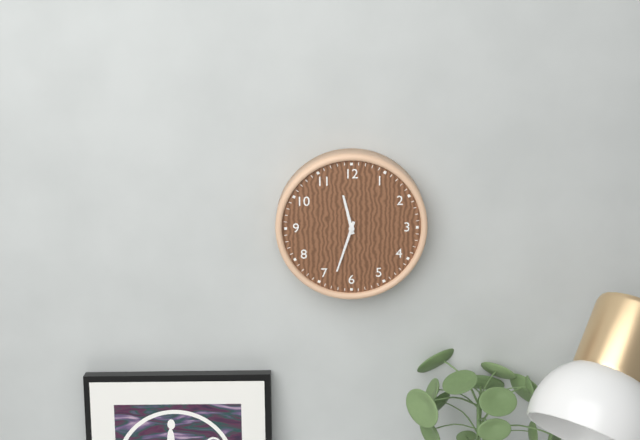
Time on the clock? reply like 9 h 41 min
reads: 11 h 33 min
